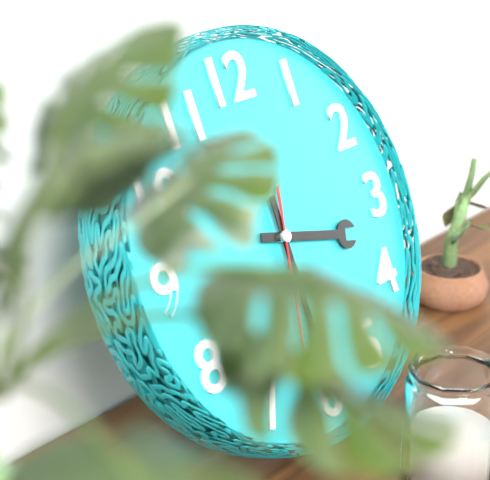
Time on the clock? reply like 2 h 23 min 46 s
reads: 3 h 30 min 32 s
